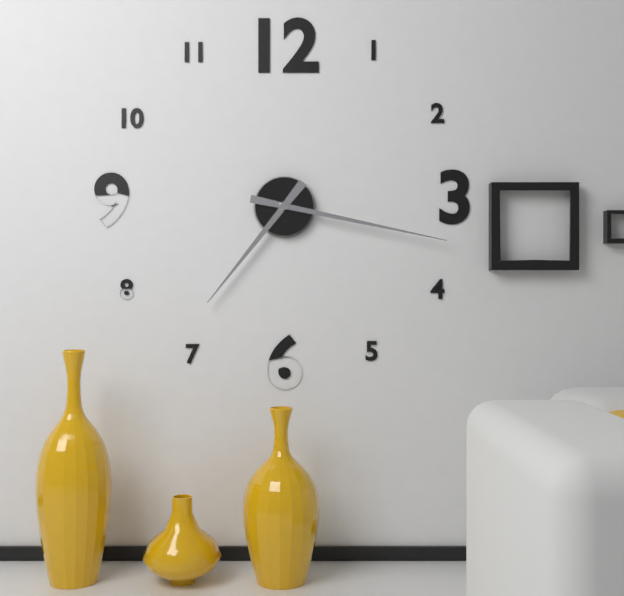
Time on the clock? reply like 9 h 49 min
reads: 7 h 17 min
